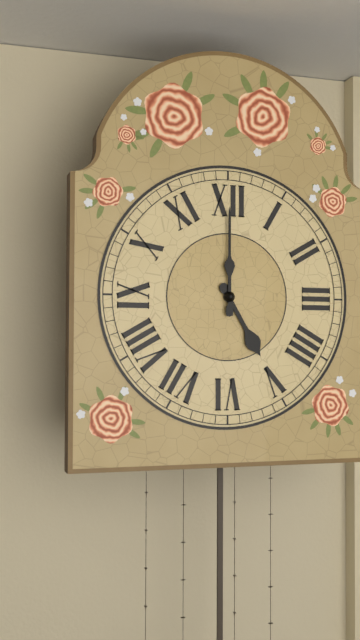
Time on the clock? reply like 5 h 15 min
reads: 5 h 00 min
